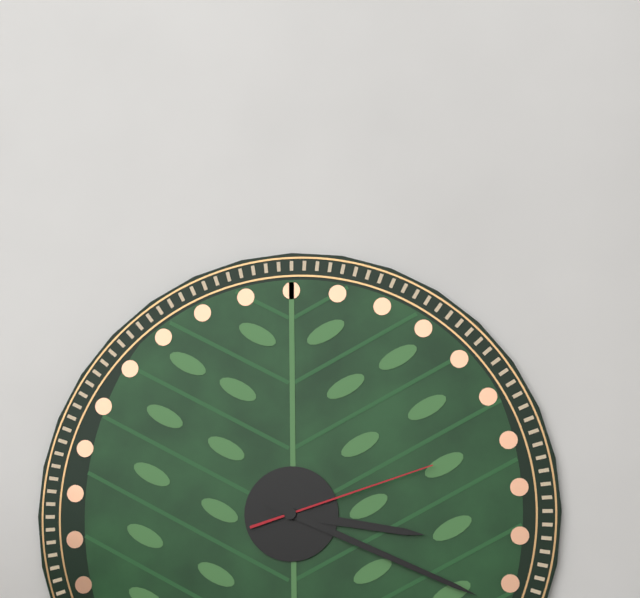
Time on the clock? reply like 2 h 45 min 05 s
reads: 3 h 19 min 12 s
